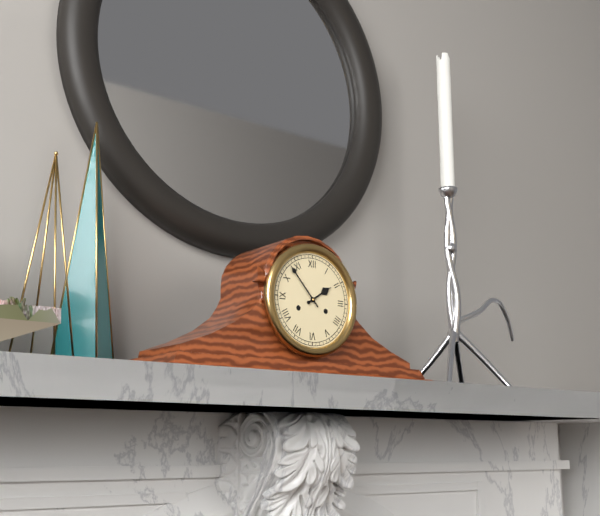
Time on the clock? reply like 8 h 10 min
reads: 1 h 53 min
